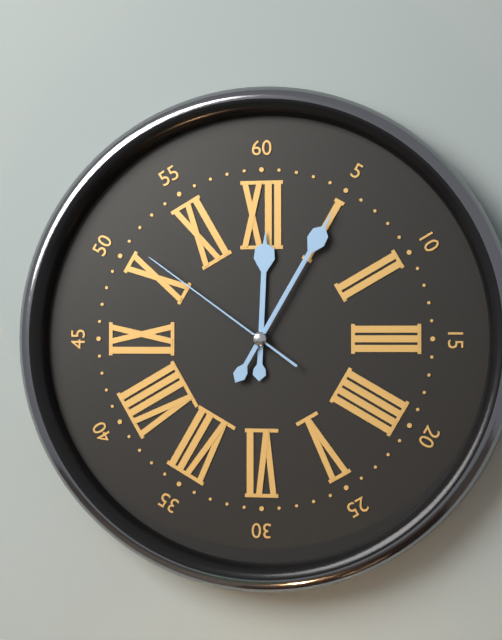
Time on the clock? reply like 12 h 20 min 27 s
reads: 12 h 05 min 51 s
